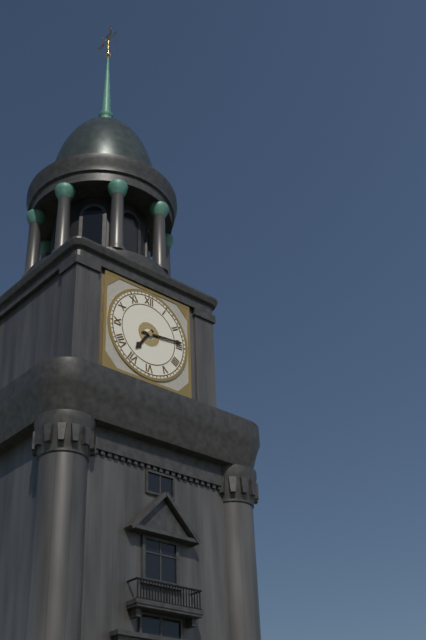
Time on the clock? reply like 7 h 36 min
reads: 7 h 14 min
